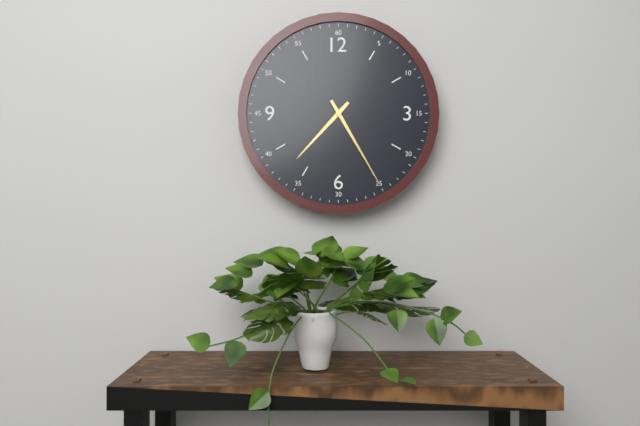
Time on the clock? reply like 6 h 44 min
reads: 7 h 25 min
